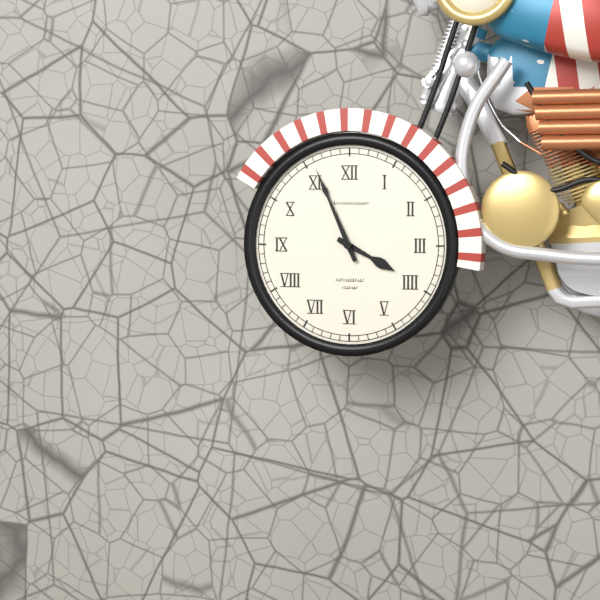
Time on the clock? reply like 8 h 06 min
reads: 3 h 56 min
